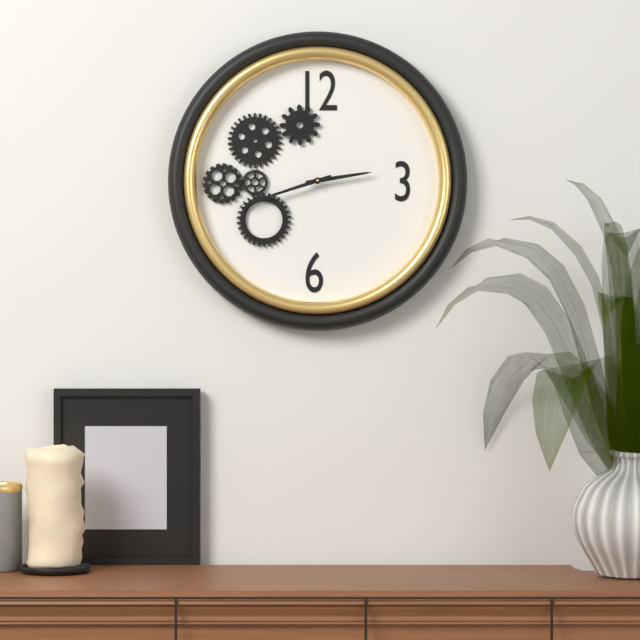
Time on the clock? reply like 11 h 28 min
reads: 2 h 42 min
